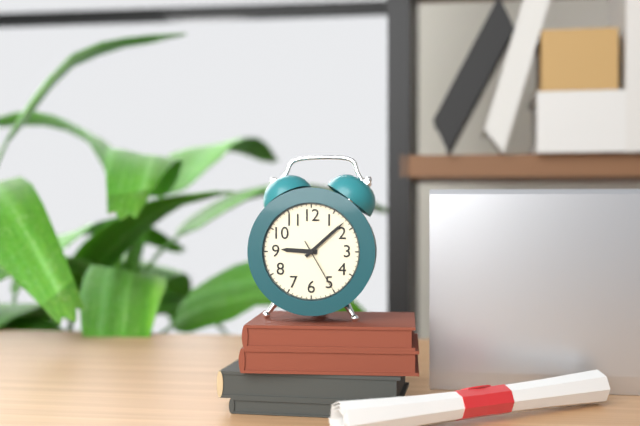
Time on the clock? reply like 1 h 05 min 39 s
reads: 9 h 08 min 25 s
